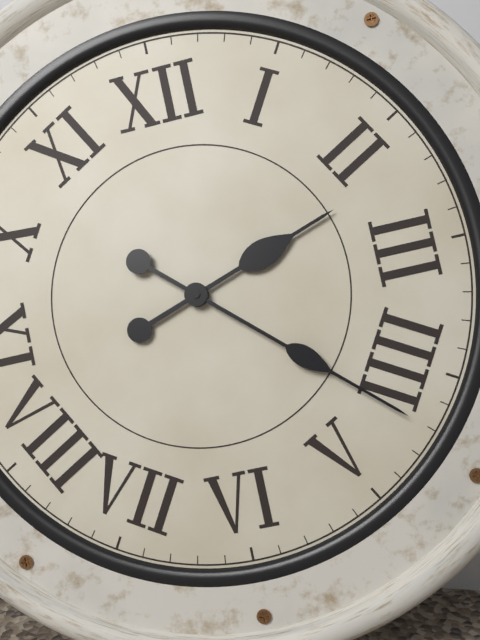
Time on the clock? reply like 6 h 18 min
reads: 2 h 22 min
